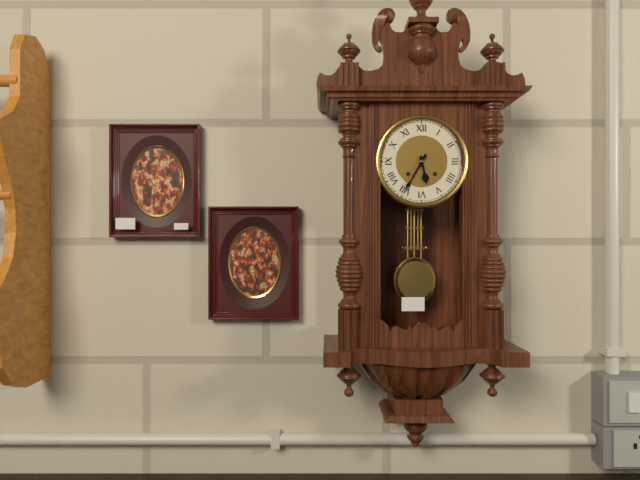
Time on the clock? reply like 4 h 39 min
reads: 5 h 35 min
